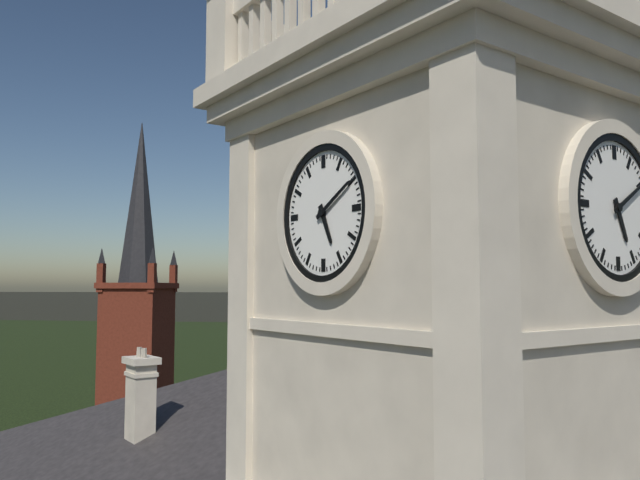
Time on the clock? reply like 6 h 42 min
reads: 5 h 10 min
